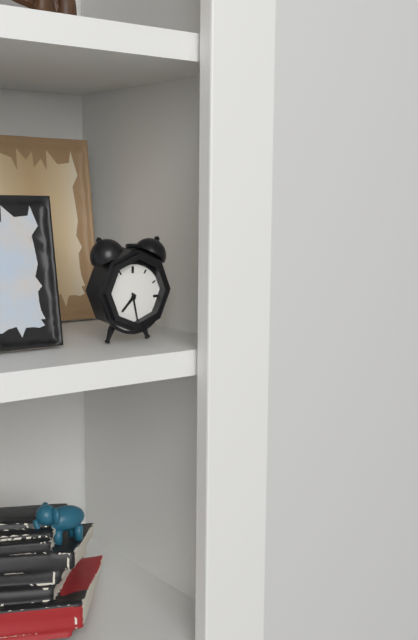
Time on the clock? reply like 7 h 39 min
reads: 7 h 28 min
